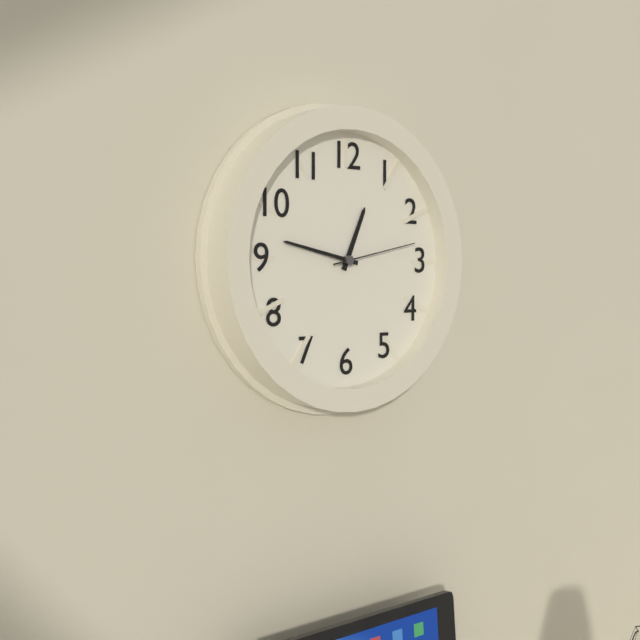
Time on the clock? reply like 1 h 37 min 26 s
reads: 12 h 47 min 13 s
